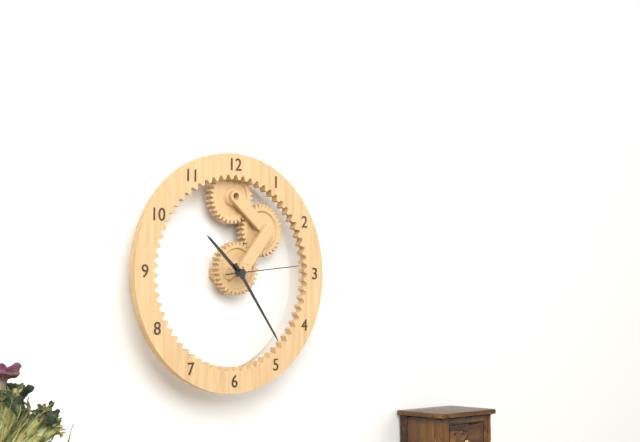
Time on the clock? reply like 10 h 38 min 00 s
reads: 10 h 24 min 14 s
